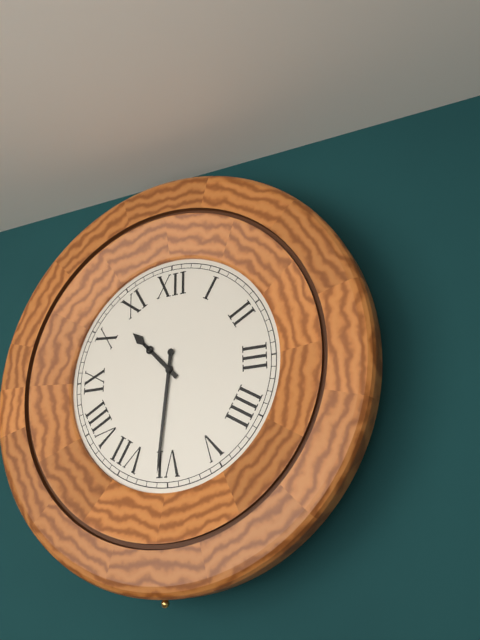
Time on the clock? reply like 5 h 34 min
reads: 10 h 31 min
